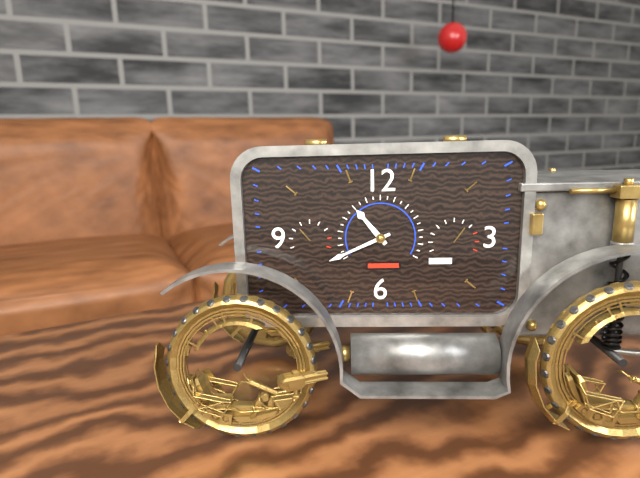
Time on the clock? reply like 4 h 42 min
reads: 10 h 41 min
